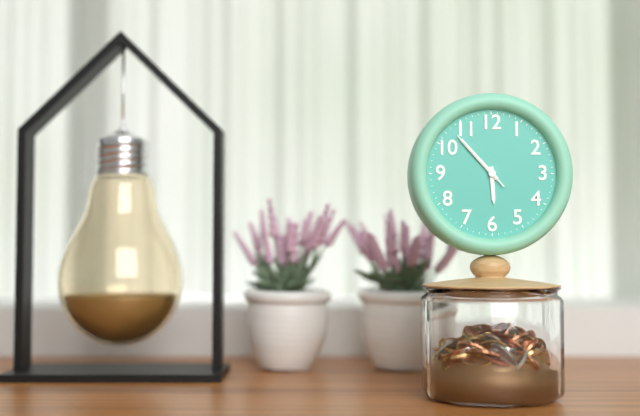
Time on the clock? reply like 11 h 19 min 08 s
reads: 5 h 53 min 53 s
